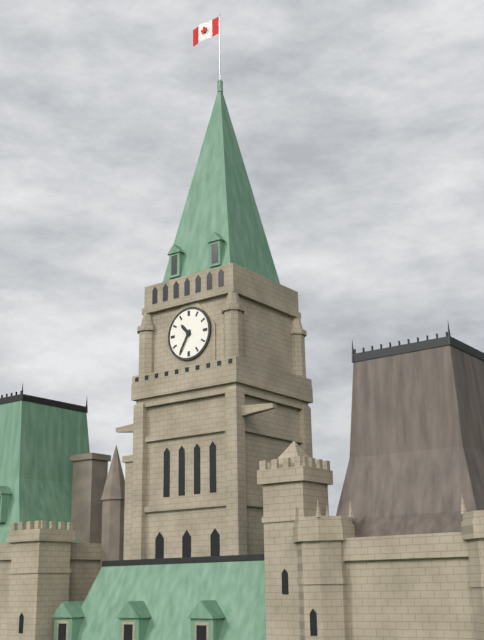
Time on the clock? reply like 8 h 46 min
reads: 10 h 35 min
